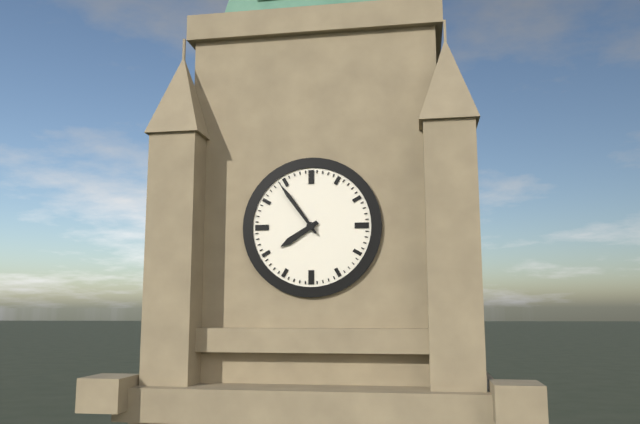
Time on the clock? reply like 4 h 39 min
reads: 7 h 54 min
